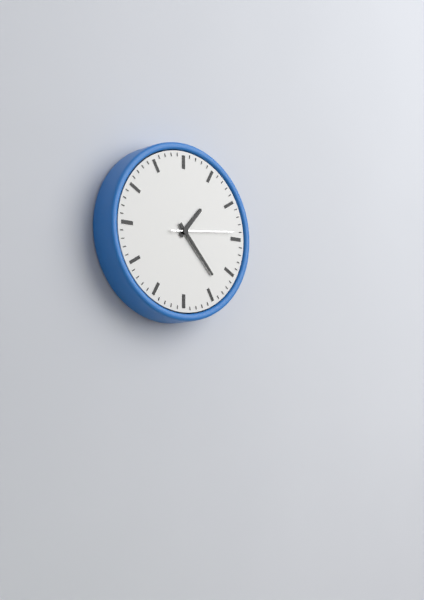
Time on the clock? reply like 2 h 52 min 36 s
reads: 1 h 23 min 14 s
